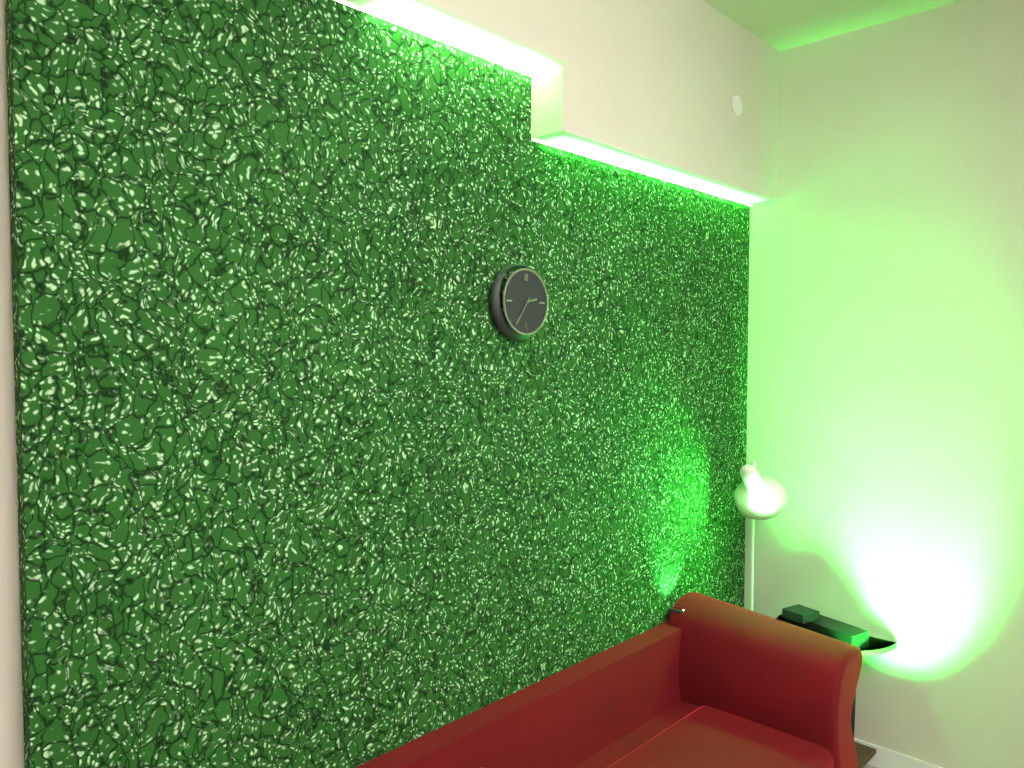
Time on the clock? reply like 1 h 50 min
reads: 2 h 36 min
